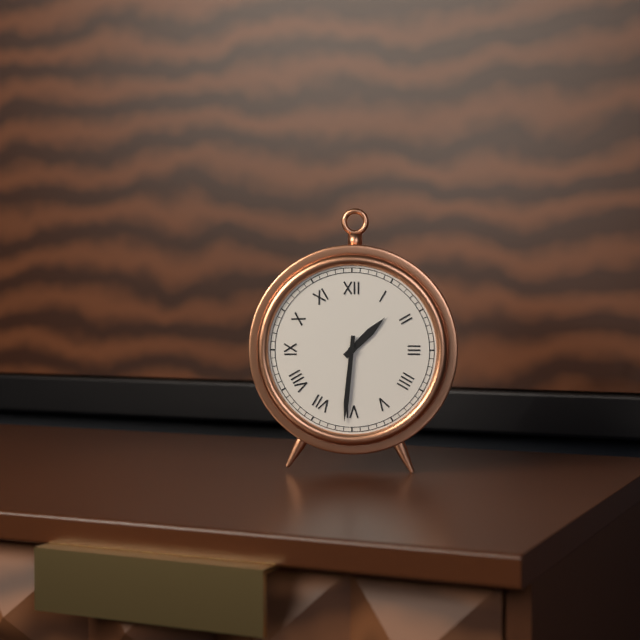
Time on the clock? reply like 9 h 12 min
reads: 1 h 31 min
